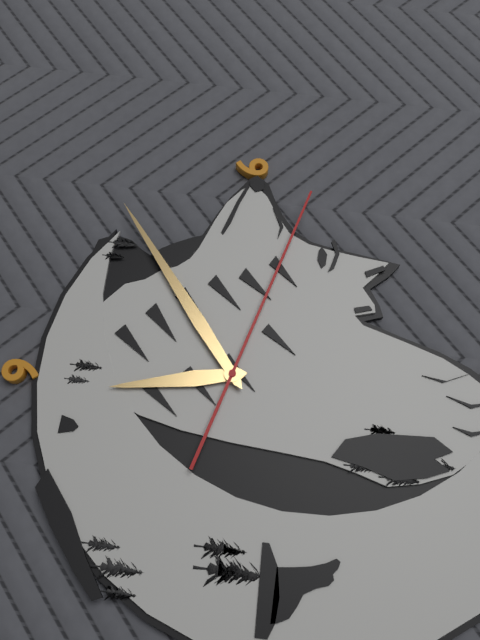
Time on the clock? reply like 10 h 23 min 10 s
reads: 5 h 39 min 48 s
